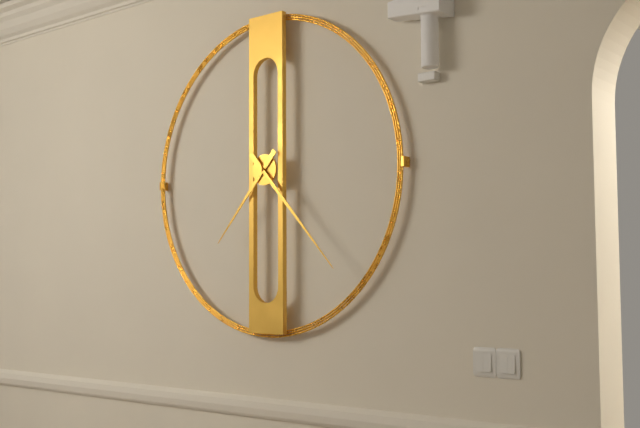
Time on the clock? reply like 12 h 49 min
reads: 7 h 23 min
